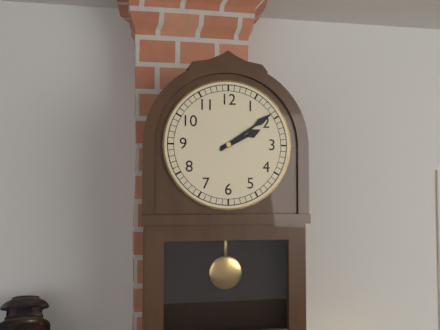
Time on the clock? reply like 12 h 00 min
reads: 2 h 09 min
